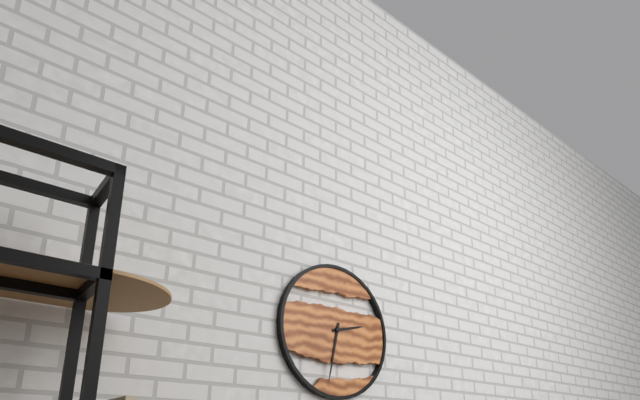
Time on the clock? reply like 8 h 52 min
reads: 2 h 32 min
